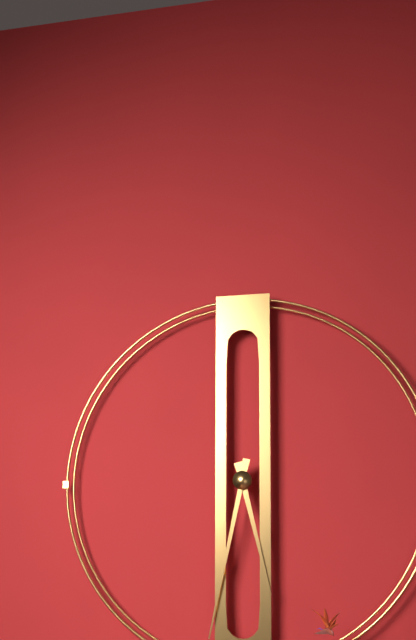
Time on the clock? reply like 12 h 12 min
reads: 5 h 32 min
